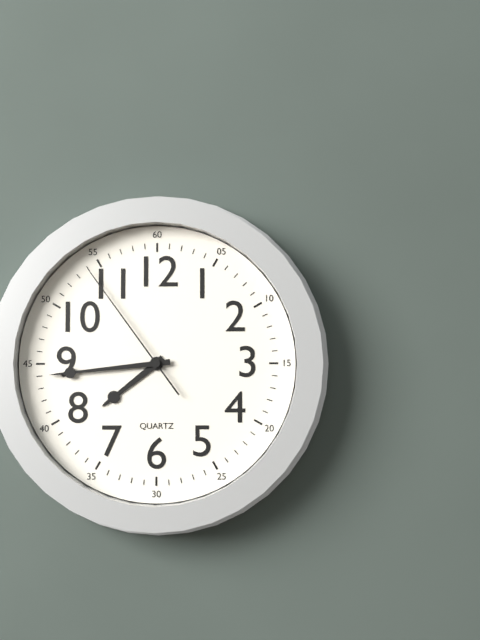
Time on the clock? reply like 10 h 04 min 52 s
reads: 7 h 44 min 54 s
